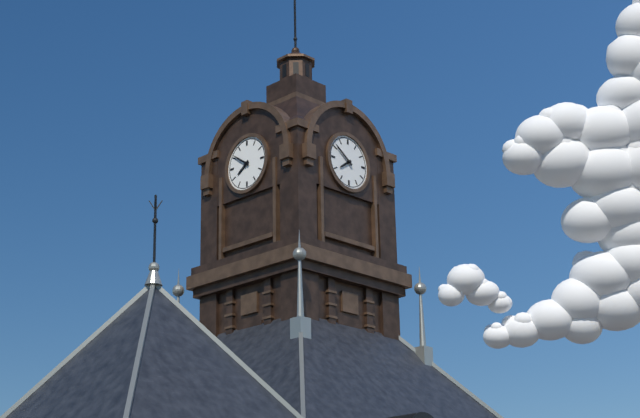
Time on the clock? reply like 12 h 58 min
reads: 7 h 51 min
